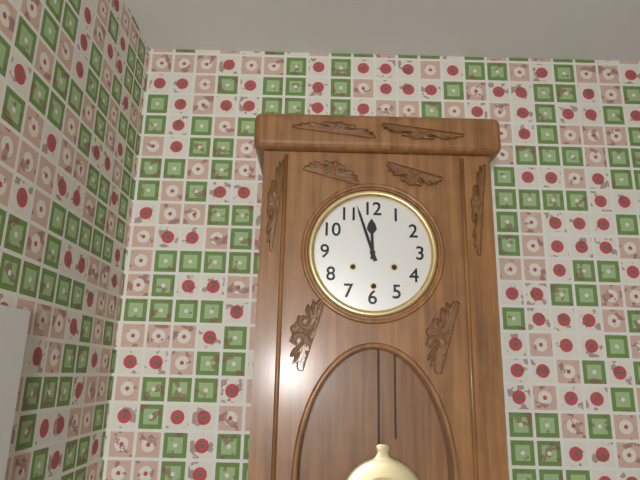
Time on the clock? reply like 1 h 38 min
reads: 11 h 57 min
